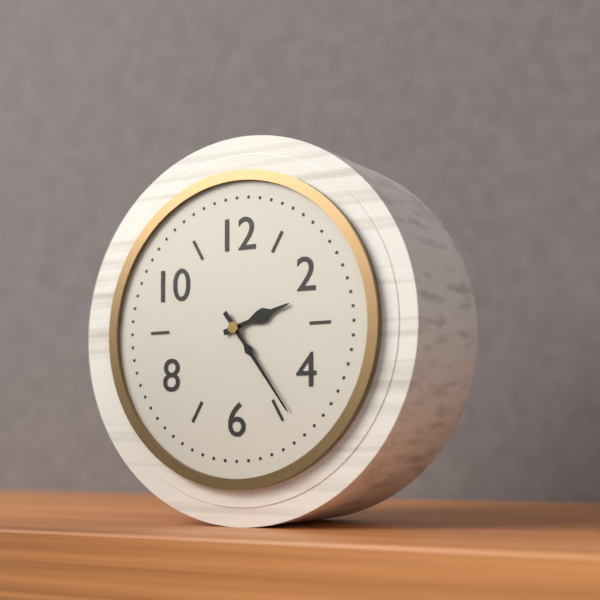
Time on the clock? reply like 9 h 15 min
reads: 2 h 24 min
